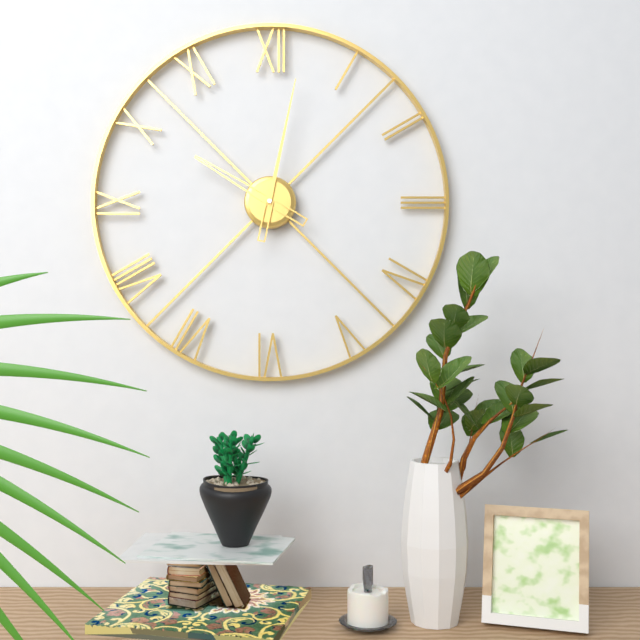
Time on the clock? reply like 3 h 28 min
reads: 10 h 02 min
